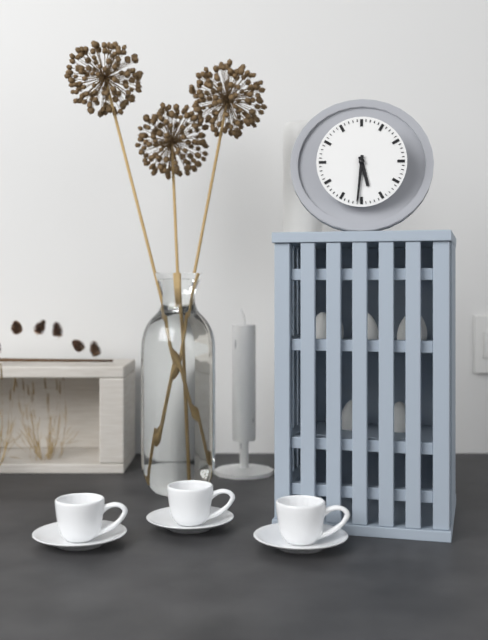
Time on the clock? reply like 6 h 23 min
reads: 5 h 31 min
